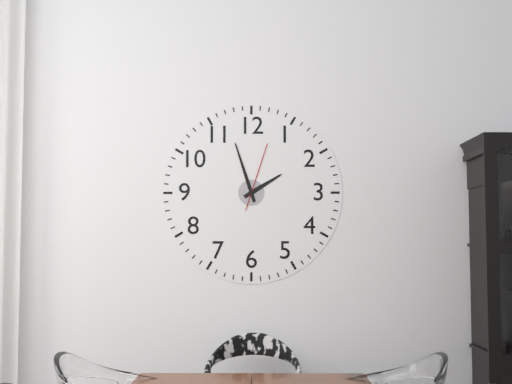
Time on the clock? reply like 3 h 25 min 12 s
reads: 1 h 57 min 03 s
